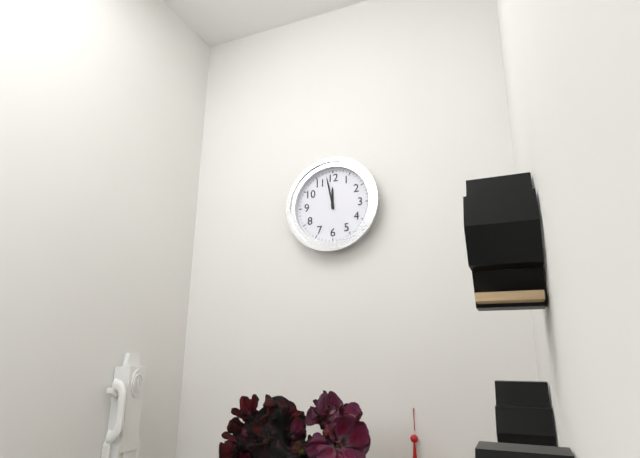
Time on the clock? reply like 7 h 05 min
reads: 11 h 58 min
